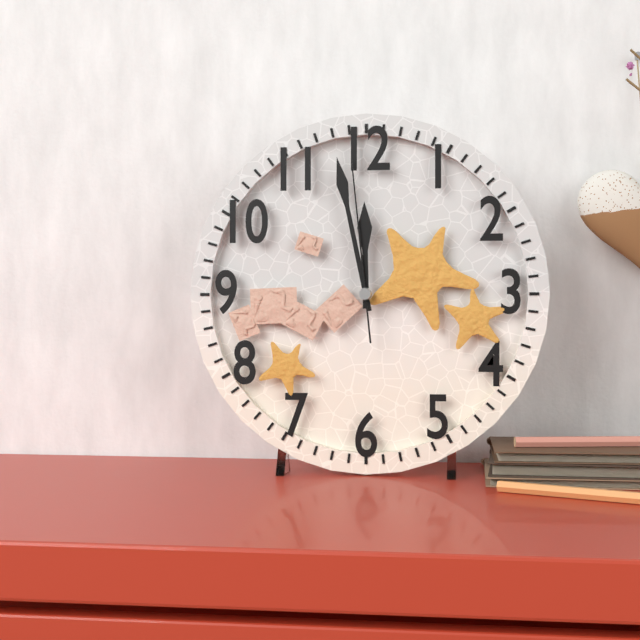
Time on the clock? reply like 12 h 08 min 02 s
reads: 11 h 58 min 59 s
